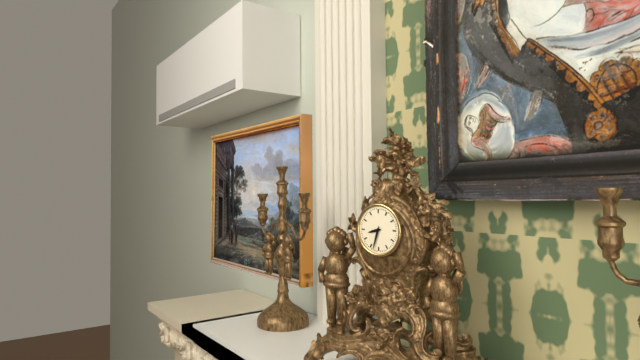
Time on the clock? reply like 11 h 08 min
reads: 8 h 33 min
